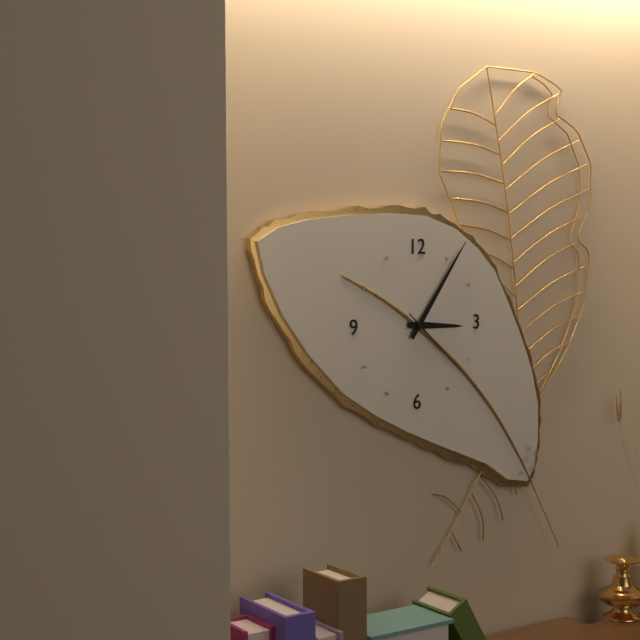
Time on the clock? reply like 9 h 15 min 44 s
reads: 3 h 06 min 22 s
